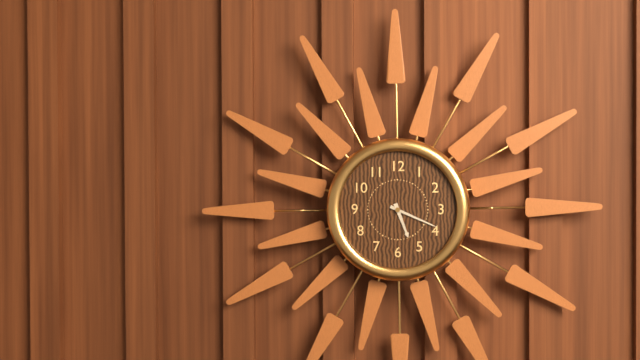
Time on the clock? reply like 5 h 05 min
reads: 5 h 19 min
